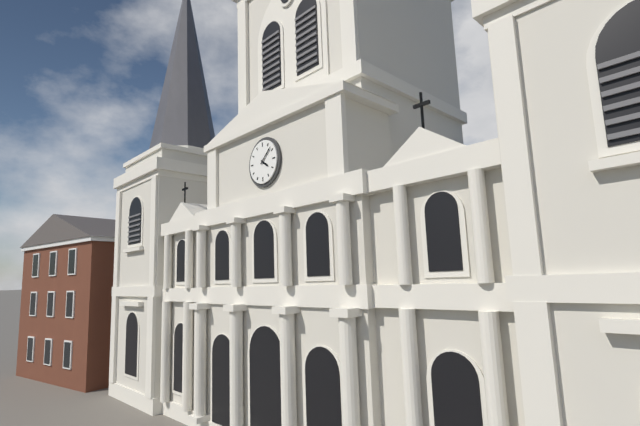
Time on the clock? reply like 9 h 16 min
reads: 4 h 08 min
